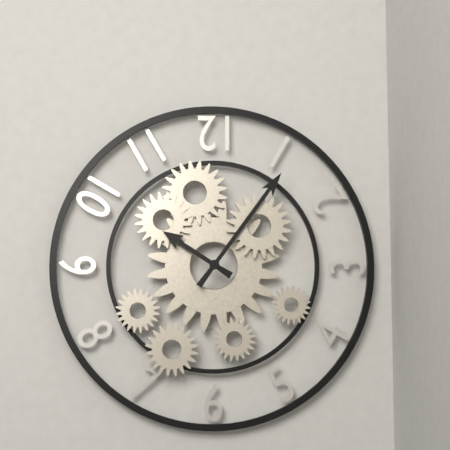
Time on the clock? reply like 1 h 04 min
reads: 10 h 06 min
